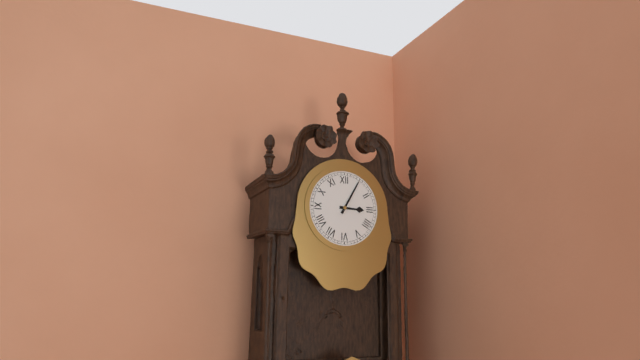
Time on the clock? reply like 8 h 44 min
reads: 3 h 05 min
